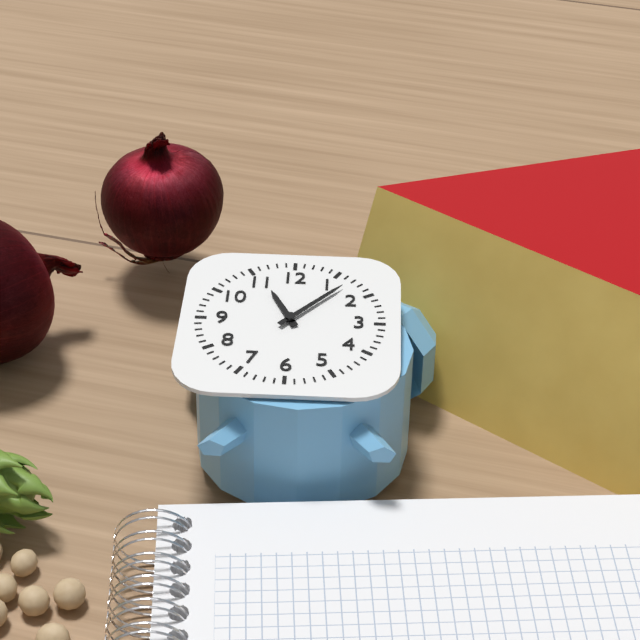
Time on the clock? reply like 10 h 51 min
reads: 11 h 07 min
